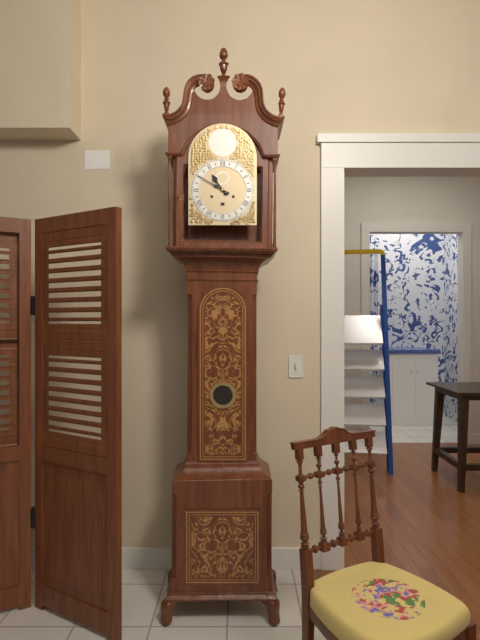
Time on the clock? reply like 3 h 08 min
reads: 10 h 50 min
